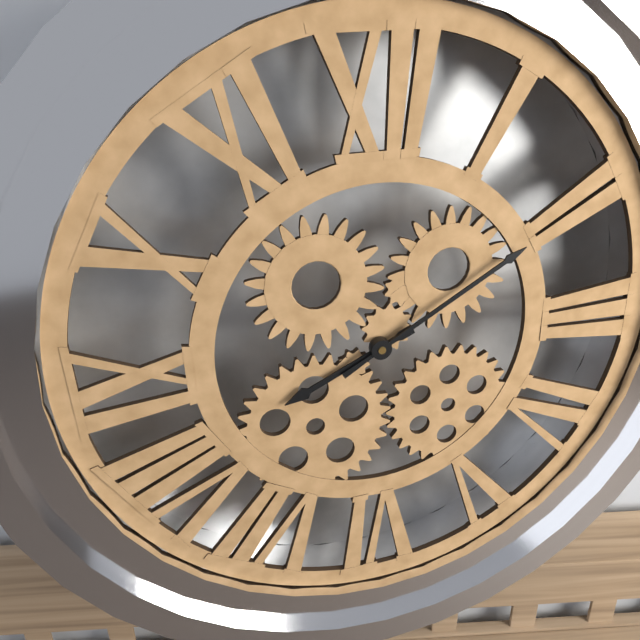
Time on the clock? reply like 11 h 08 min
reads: 8 h 10 min
